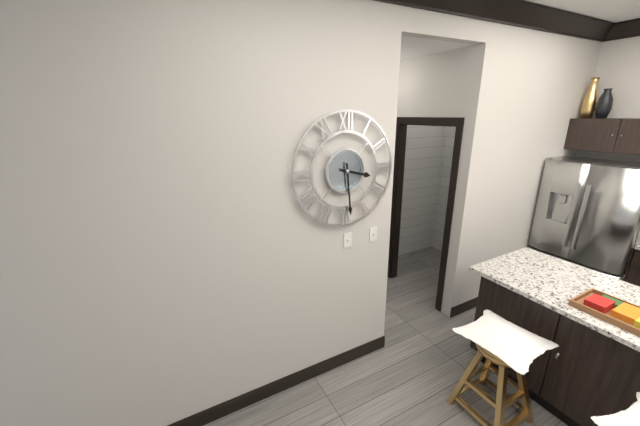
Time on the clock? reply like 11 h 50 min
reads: 3 h 29 min
